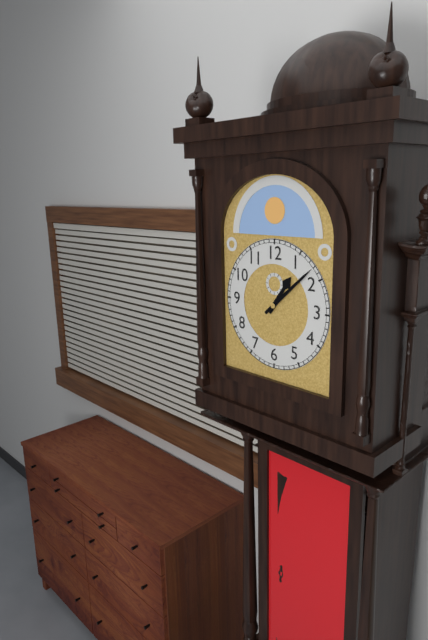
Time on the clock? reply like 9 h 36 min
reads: 1 h 08 min
